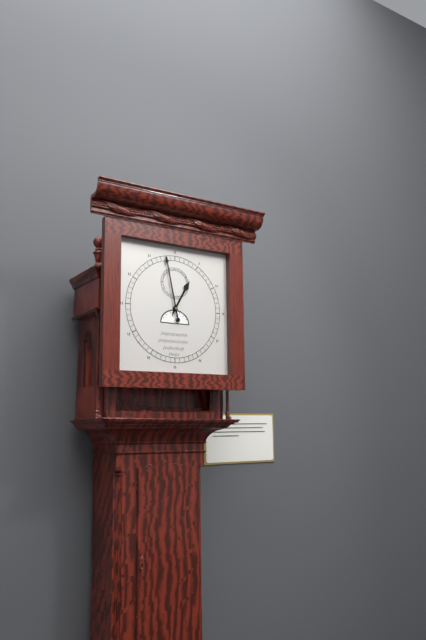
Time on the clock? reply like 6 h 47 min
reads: 12 h 58 min
